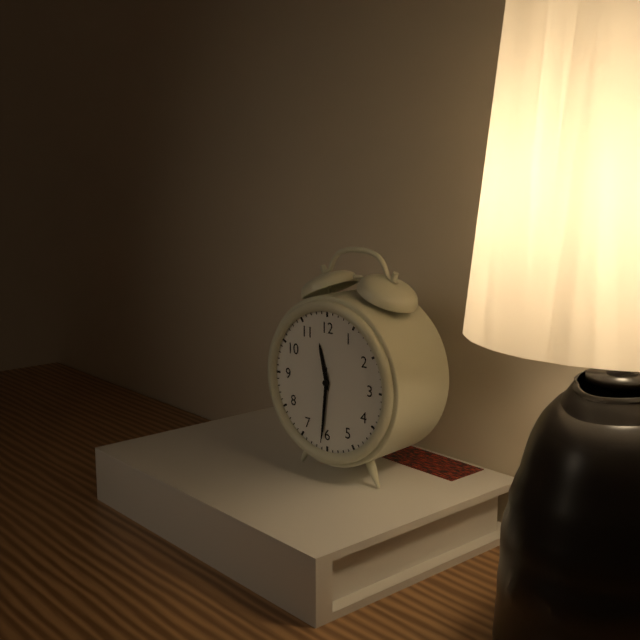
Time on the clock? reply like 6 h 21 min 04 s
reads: 11 h 31 min 31 s
